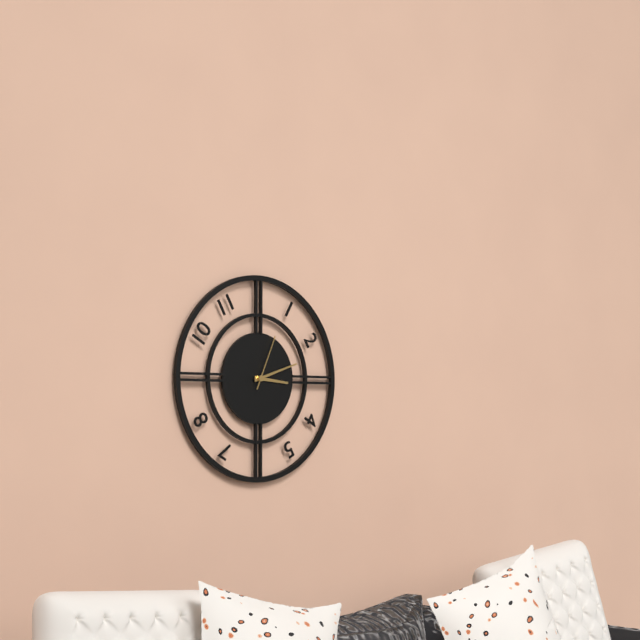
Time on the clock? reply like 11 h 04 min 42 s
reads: 3 h 12 min 04 s
